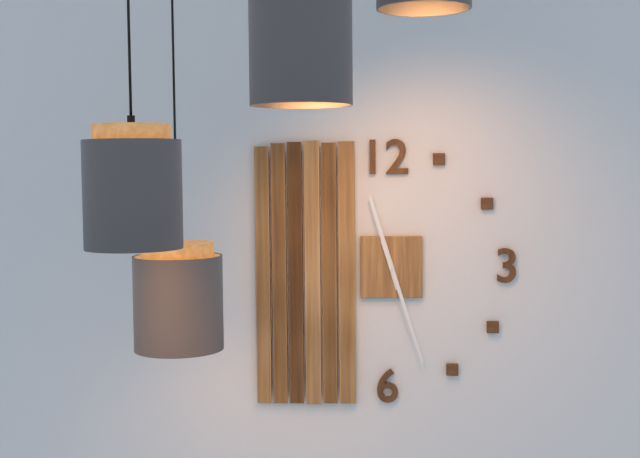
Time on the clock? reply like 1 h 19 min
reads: 11 h 27 min
